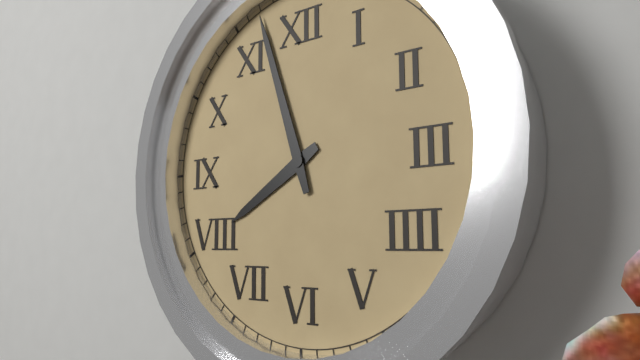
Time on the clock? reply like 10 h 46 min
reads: 7 h 57 min
